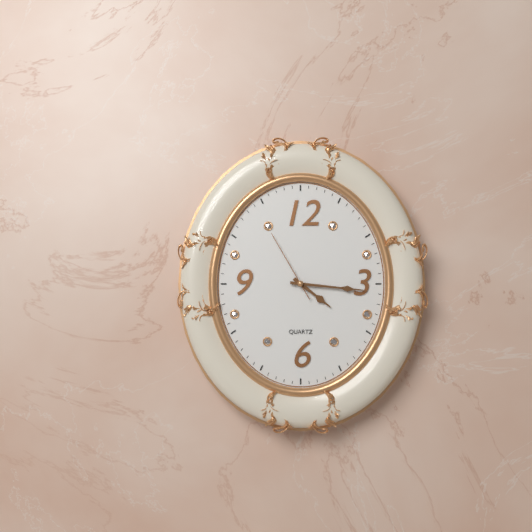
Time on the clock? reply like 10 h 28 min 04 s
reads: 4 h 16 min 55 s
